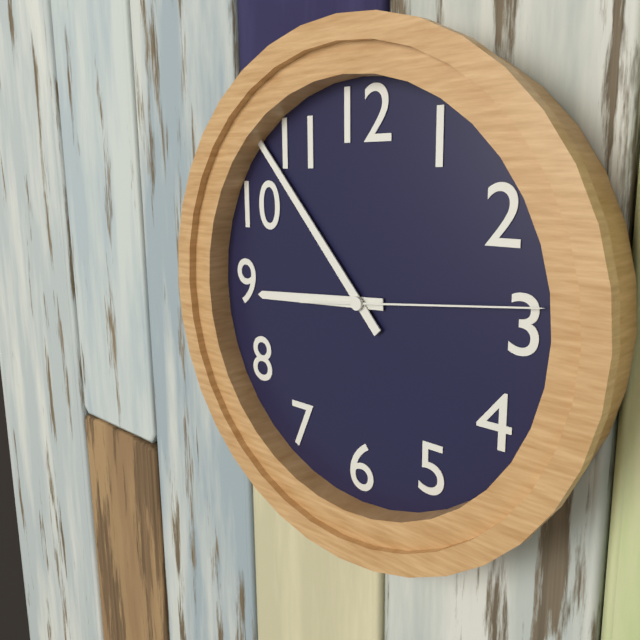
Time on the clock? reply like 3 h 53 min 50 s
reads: 8 h 53 min 14 s
